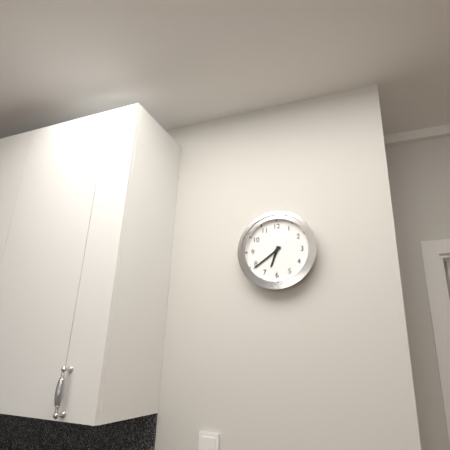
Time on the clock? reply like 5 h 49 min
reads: 6 h 39 min
